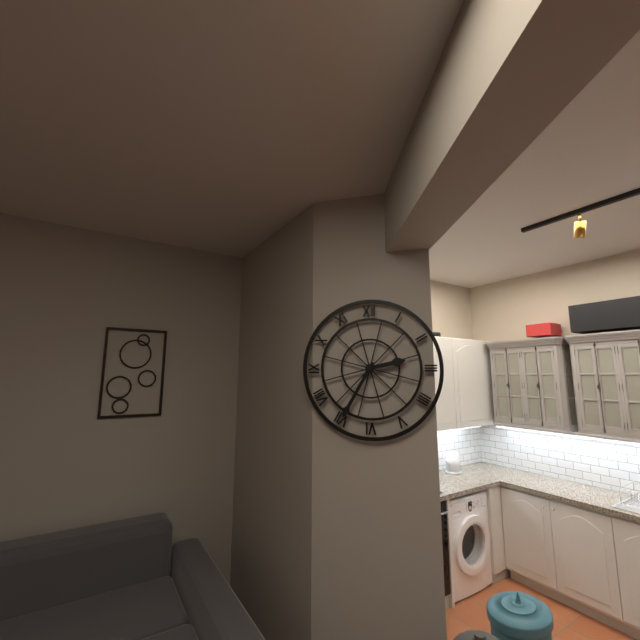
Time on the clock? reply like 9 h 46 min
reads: 2 h 35 min
